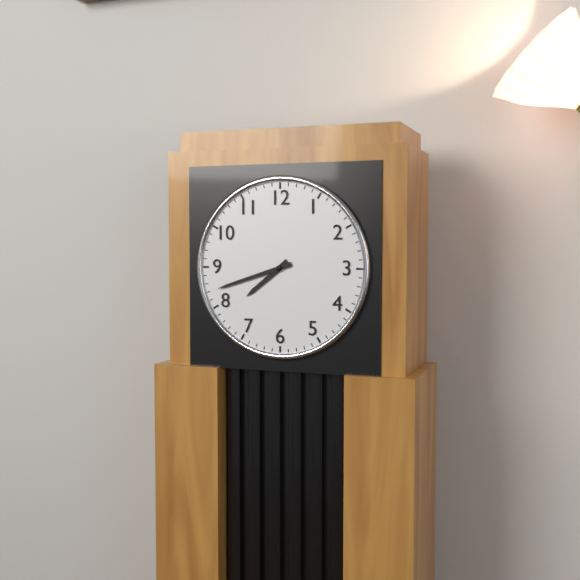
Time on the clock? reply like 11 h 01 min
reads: 7 h 42 min
